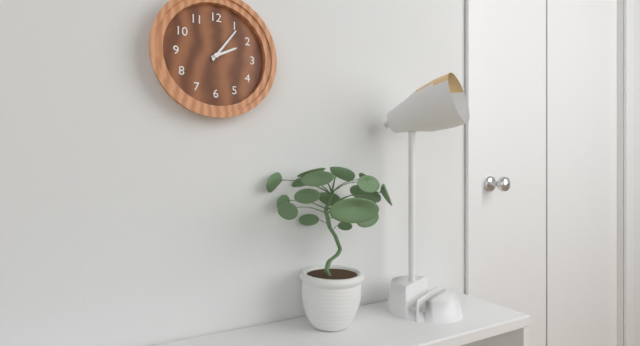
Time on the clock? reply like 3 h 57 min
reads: 2 h 06 min
